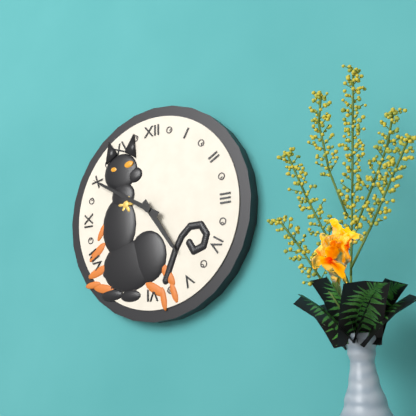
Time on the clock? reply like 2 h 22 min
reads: 4 h 50 min
